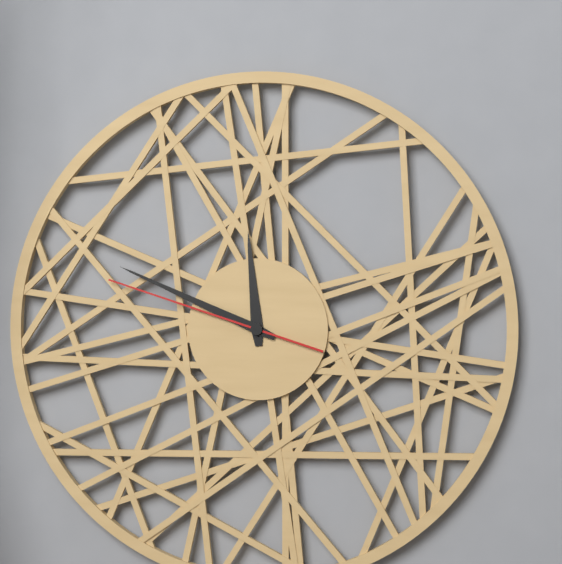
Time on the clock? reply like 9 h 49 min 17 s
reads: 11 h 49 min 48 s
